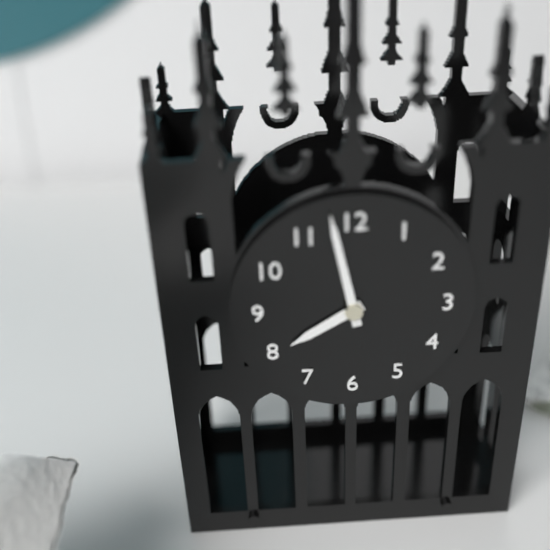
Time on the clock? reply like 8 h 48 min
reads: 7 h 58 min
